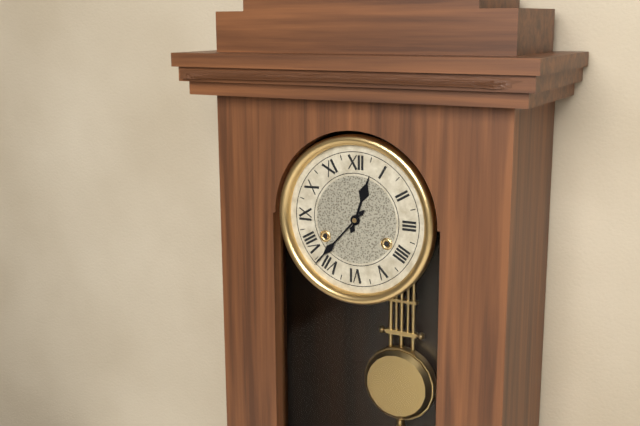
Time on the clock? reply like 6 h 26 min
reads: 12 h 37 min
